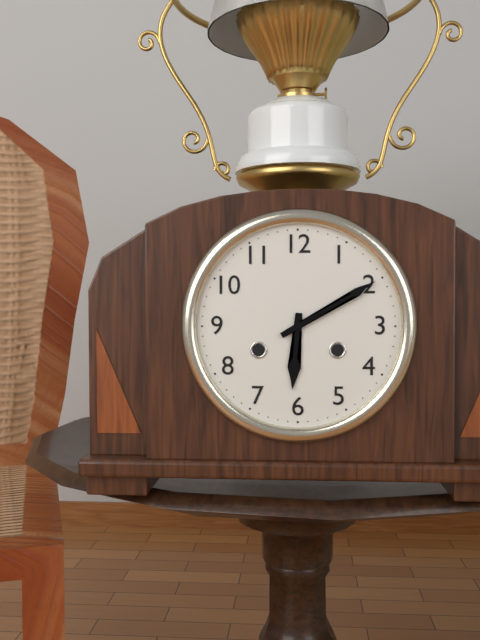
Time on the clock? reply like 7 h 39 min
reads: 6 h 10 min
